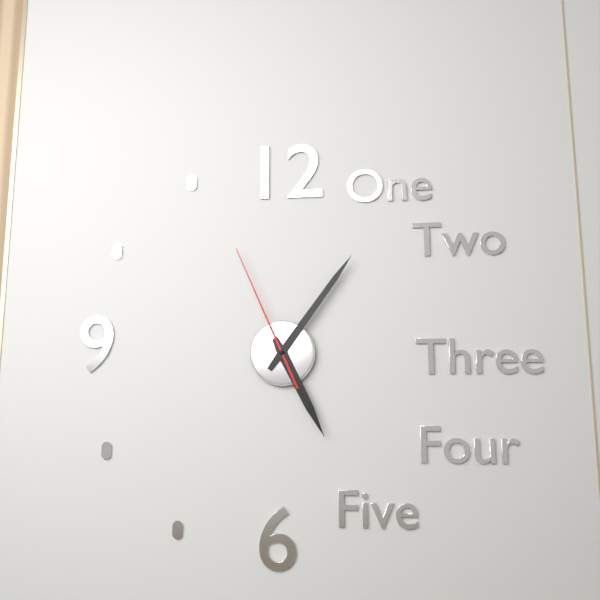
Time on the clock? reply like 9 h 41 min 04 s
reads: 5 h 06 min 56 s
